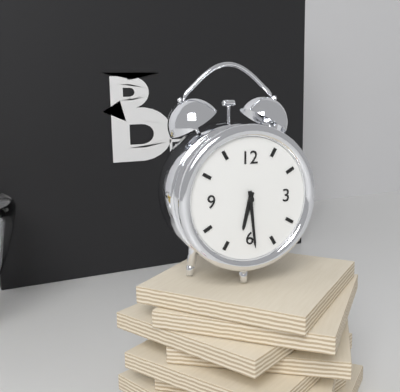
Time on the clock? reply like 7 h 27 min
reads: 6 h 29 min
